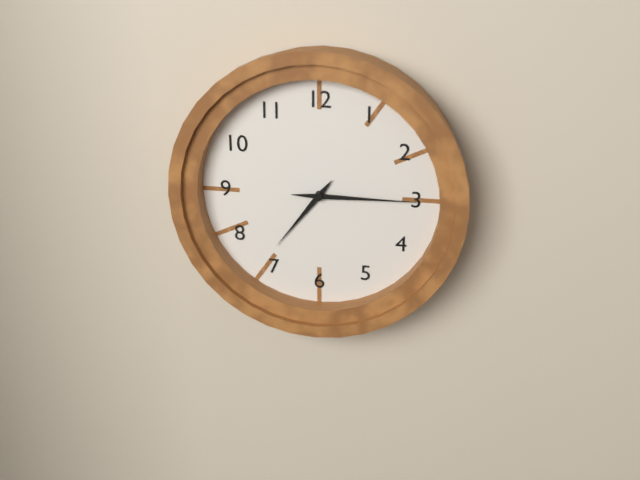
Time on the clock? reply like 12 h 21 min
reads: 7 h 15 min
